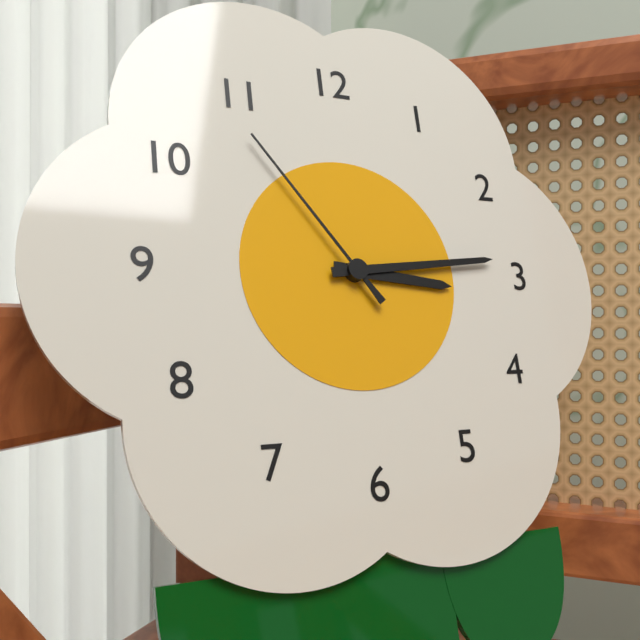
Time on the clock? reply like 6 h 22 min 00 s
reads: 3 h 14 min 54 s
